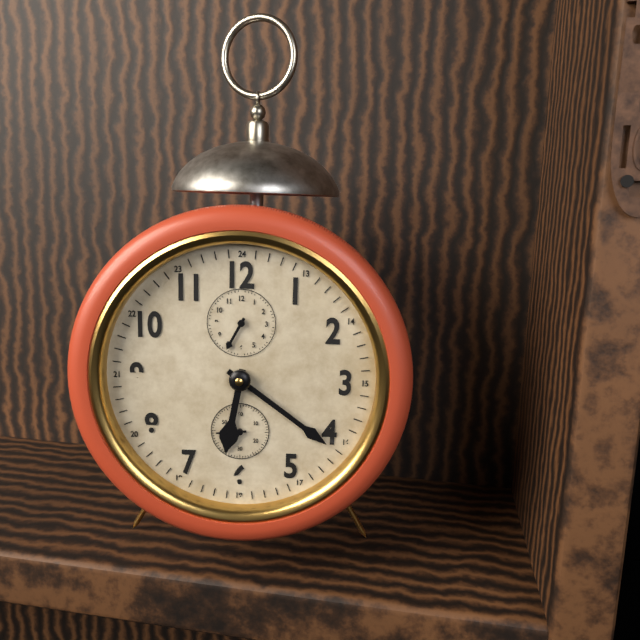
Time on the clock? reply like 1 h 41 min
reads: 6 h 21 min
